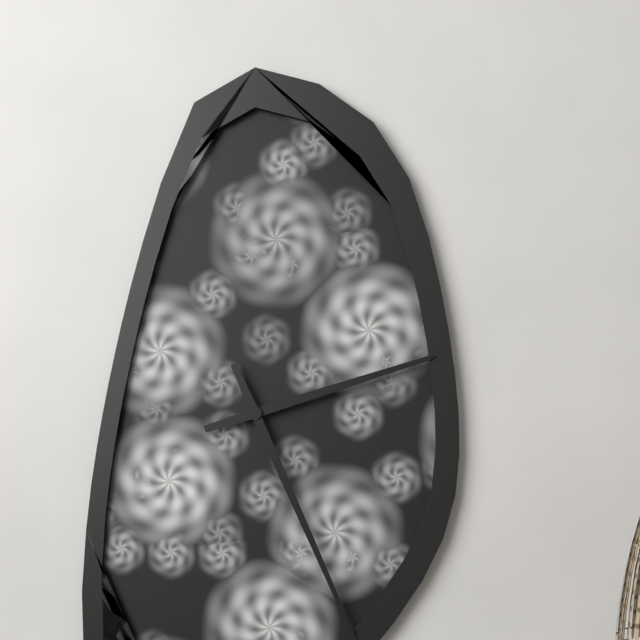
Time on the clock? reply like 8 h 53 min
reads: 2 h 26 min
